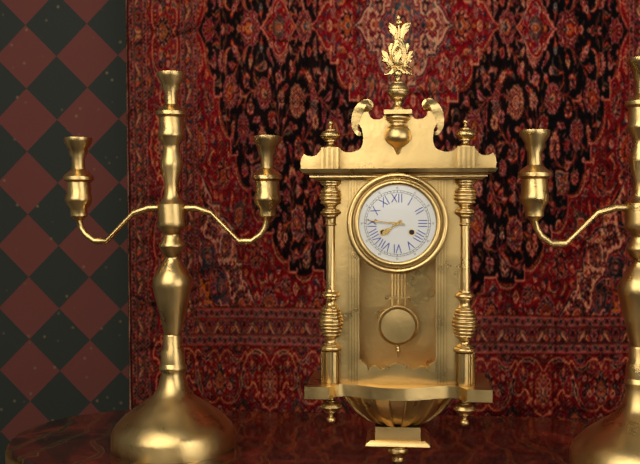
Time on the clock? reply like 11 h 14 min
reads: 7 h 46 min
